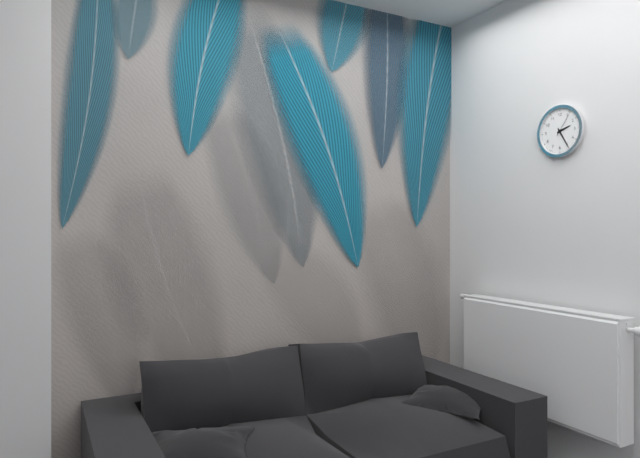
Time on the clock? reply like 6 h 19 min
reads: 2 h 25 min
